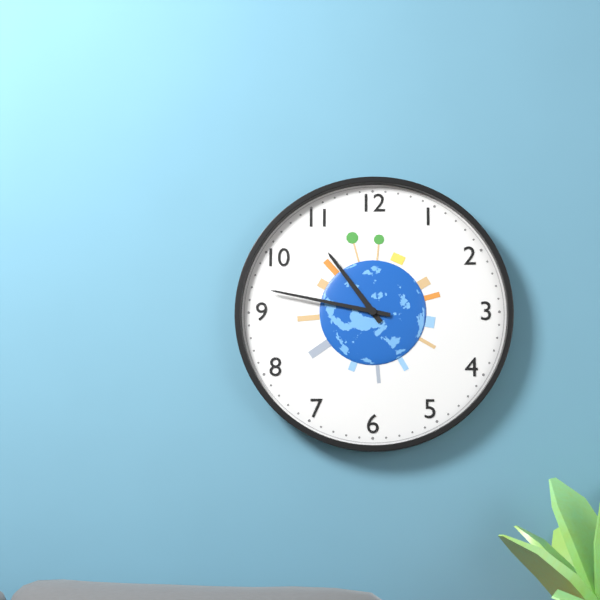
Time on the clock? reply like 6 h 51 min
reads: 10 h 47 min
